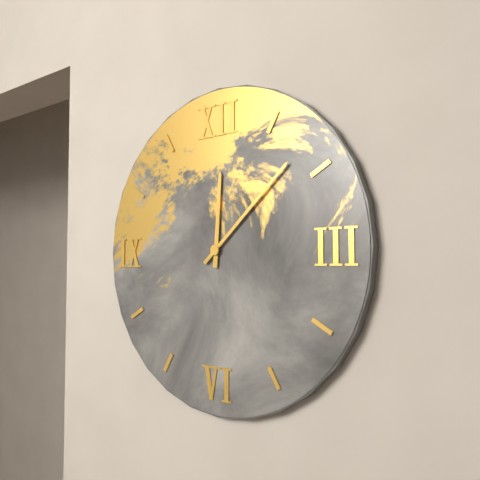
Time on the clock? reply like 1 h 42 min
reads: 12 h 08 min
